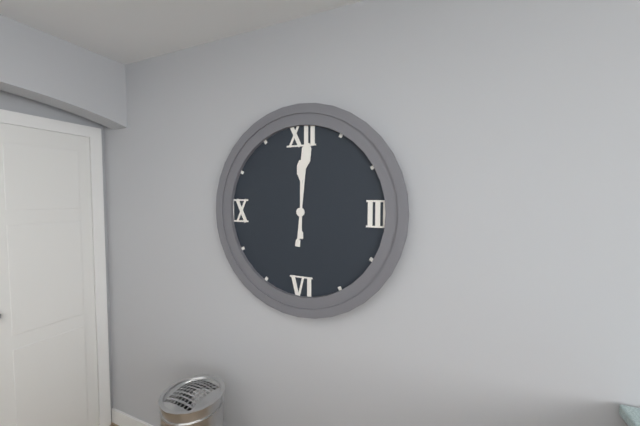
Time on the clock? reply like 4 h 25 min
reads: 12 h 01 min
